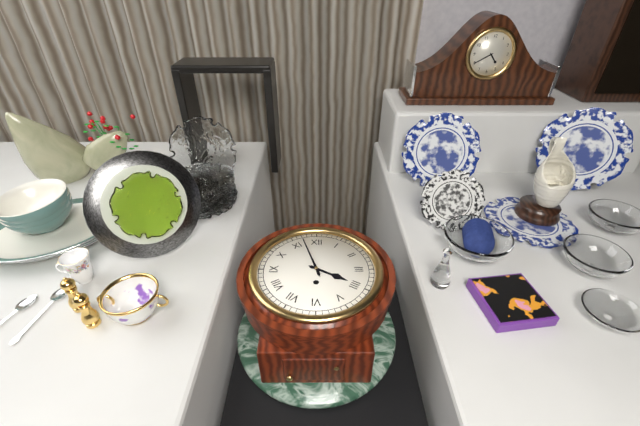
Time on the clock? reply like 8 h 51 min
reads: 3 h 57 min
